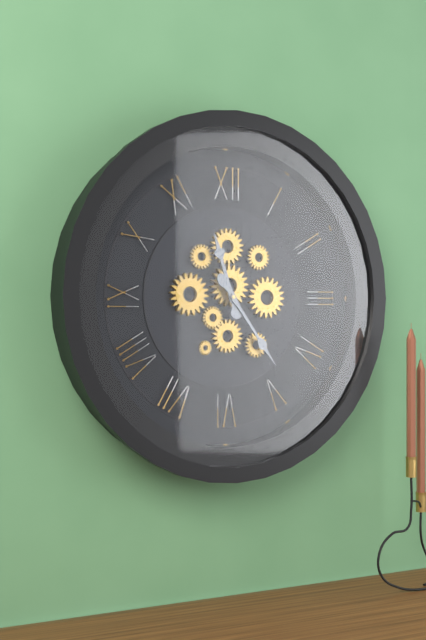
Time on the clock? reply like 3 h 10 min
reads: 11 h 24 min
